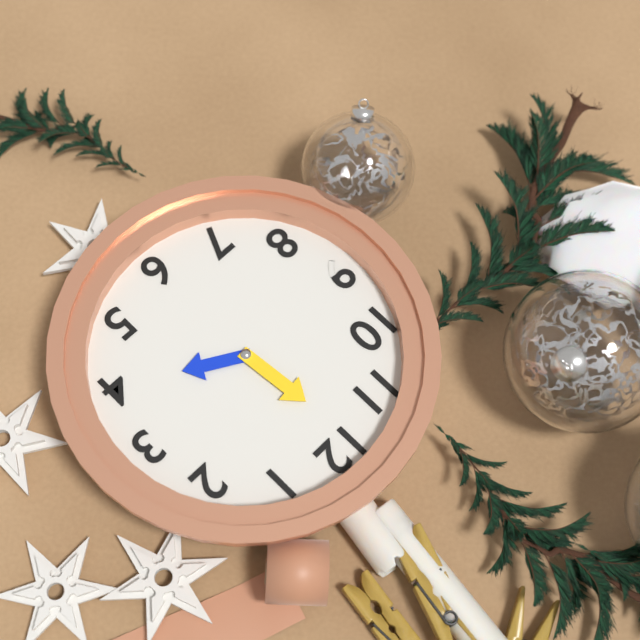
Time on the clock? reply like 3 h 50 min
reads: 3 h 59 min
